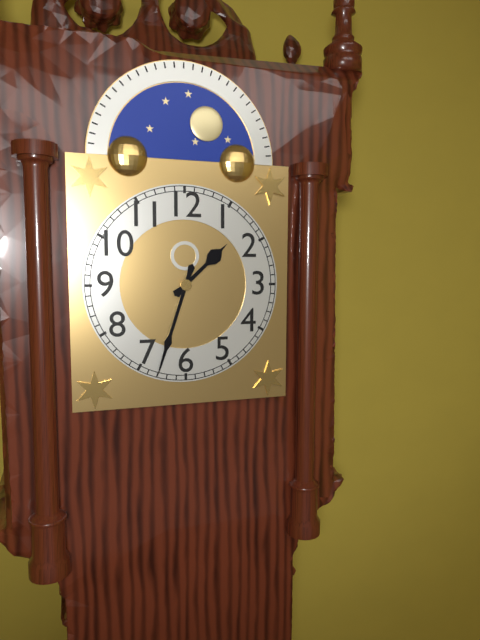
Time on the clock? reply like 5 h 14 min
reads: 1 h 33 min
